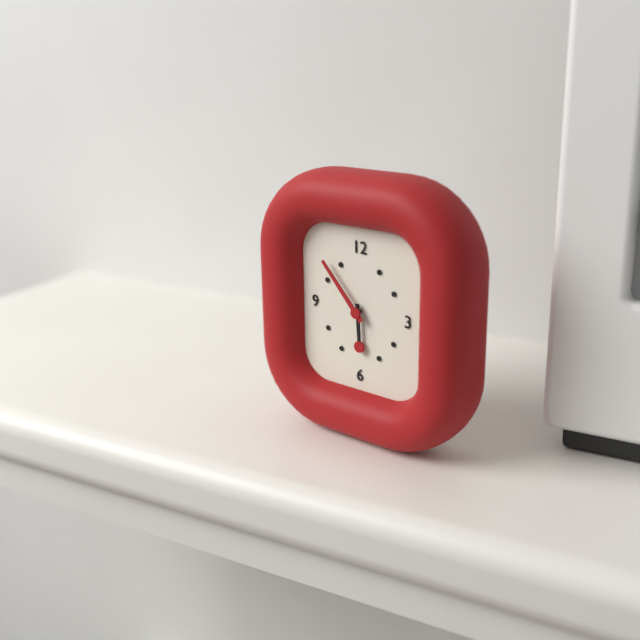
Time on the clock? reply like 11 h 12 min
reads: 5 h 53 min
